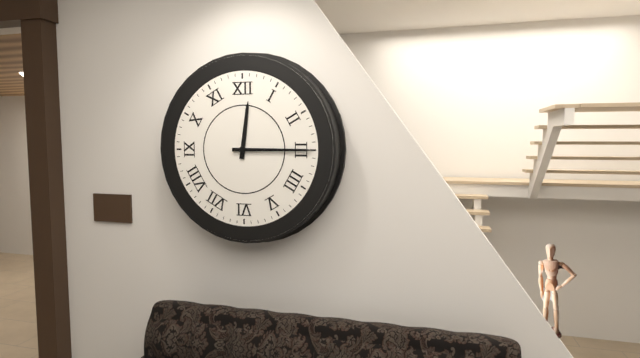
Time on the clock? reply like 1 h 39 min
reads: 12 h 15 min
